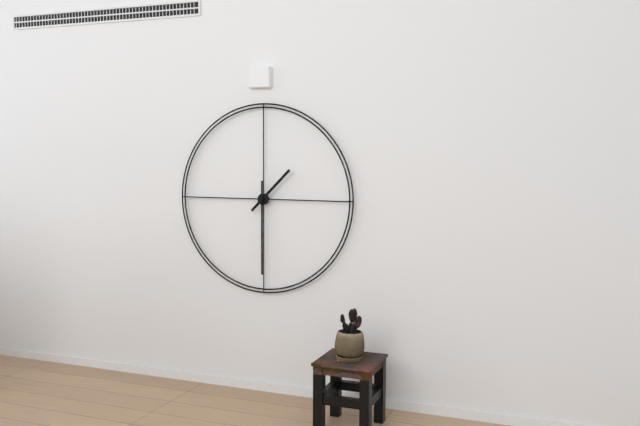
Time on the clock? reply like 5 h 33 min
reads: 1 h 30 min
